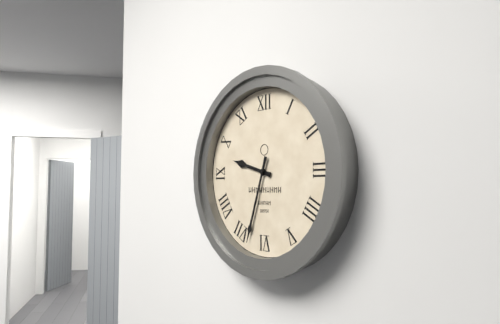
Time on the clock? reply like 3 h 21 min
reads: 9 h 33 min
